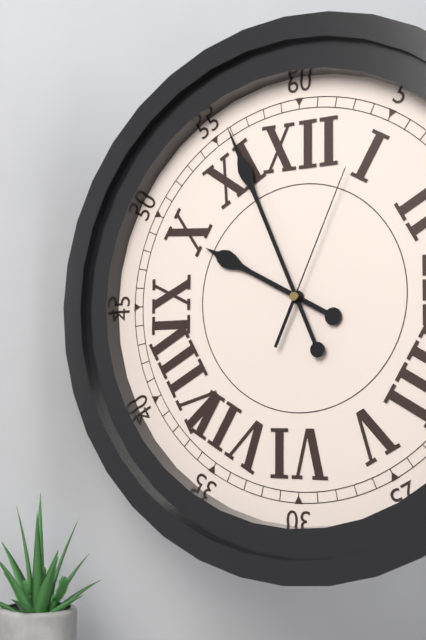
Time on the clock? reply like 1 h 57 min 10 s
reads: 9 h 56 min 04 s
